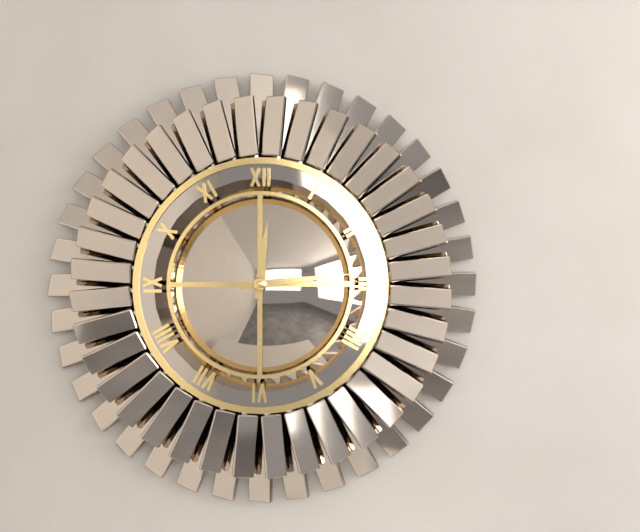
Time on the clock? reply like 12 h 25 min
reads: 12 h 14 min
